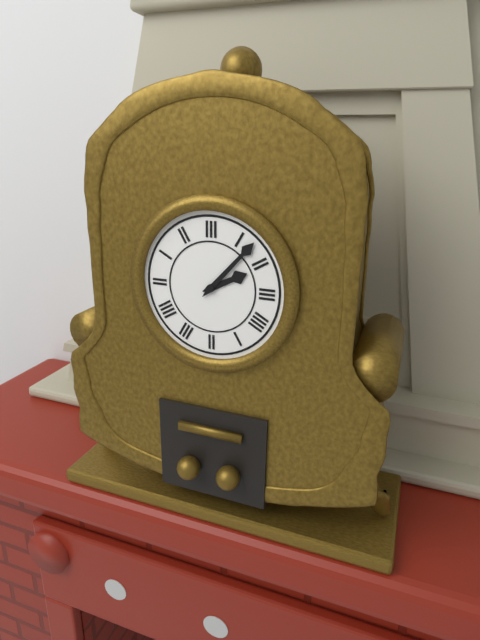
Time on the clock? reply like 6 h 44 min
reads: 2 h 07 min
